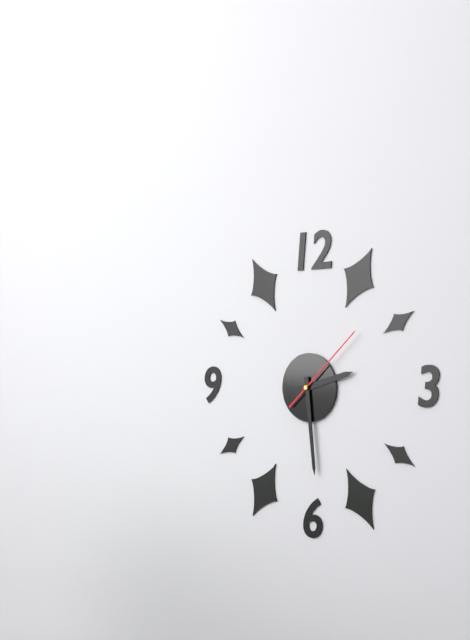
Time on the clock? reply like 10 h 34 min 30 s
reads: 2 h 29 min 08 s
